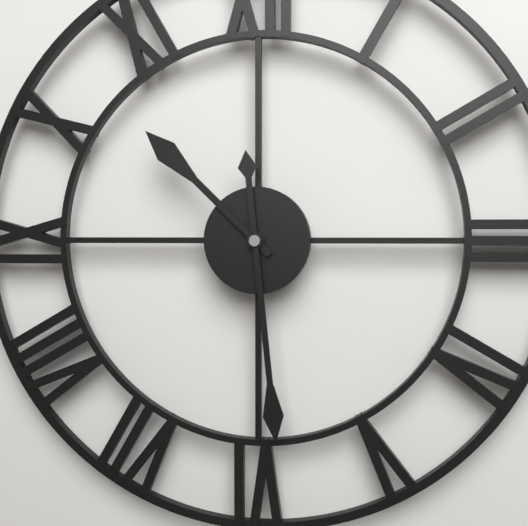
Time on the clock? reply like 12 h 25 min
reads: 10 h 29 min
